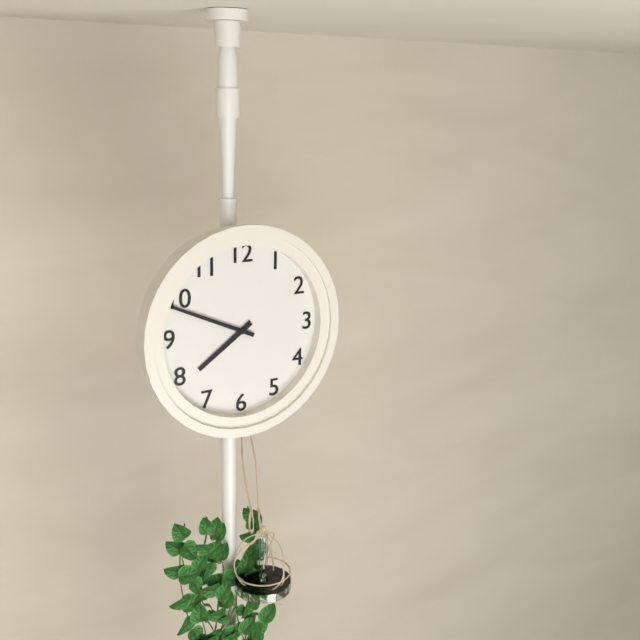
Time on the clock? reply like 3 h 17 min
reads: 7 h 49 min
